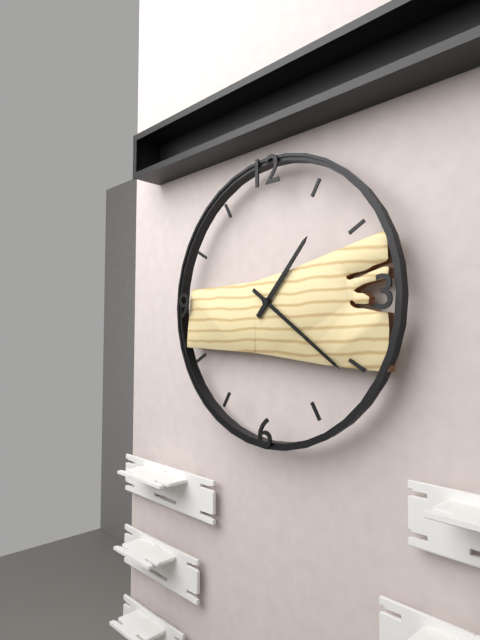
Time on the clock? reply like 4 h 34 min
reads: 1 h 21 min
